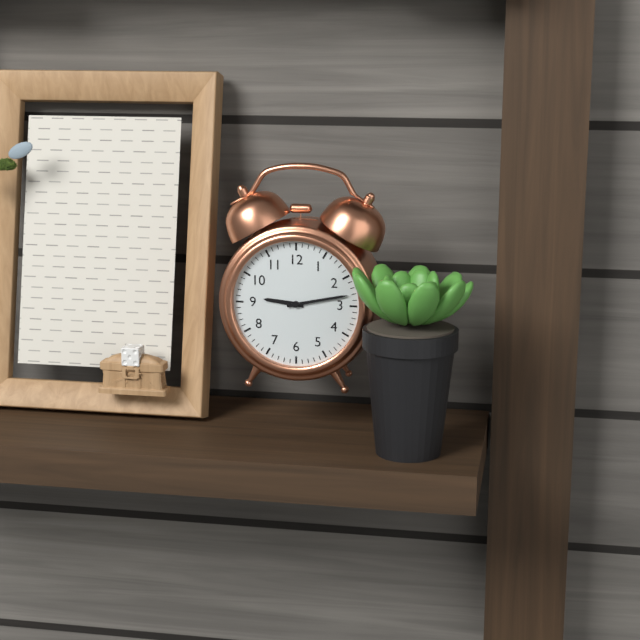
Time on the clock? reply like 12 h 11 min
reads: 9 h 13 min
